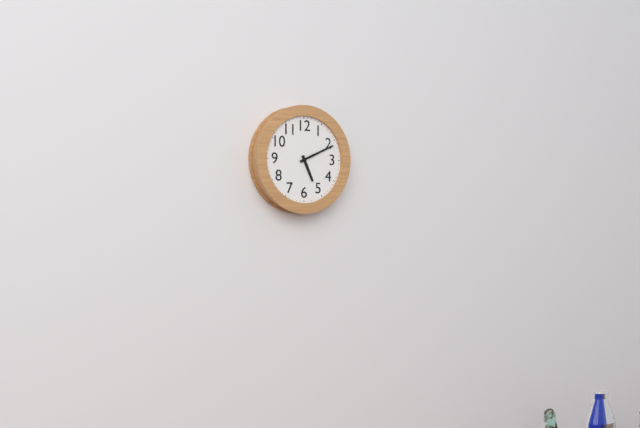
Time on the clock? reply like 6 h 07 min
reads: 5 h 11 min
